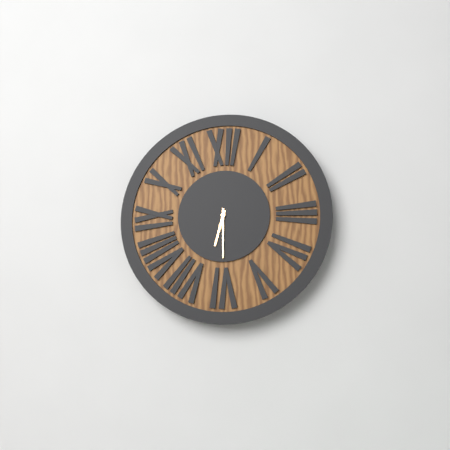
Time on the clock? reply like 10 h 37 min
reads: 6 h 30 min
